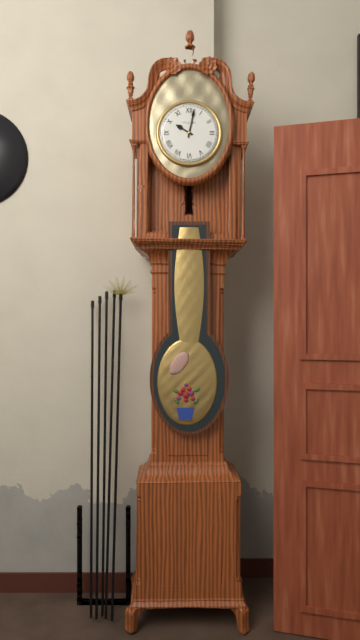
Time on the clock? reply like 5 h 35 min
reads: 10 h 02 min
